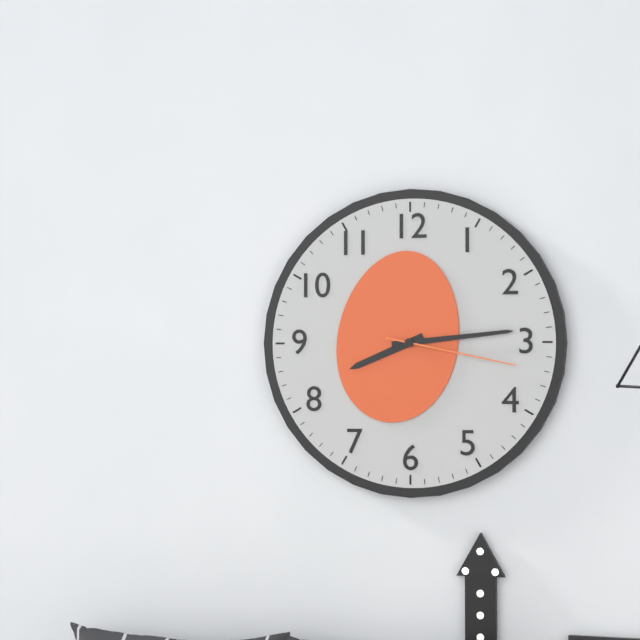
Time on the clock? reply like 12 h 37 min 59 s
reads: 8 h 14 min 17 s
